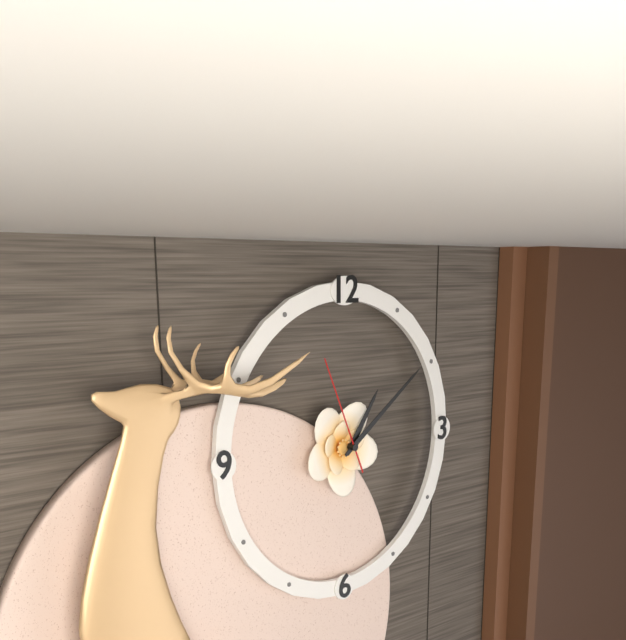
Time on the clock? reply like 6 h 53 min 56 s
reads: 1 h 09 min 56 s
